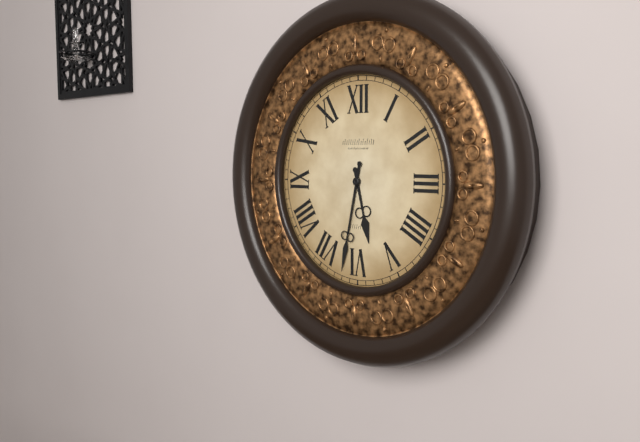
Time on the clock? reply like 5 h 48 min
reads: 5 h 32 min
